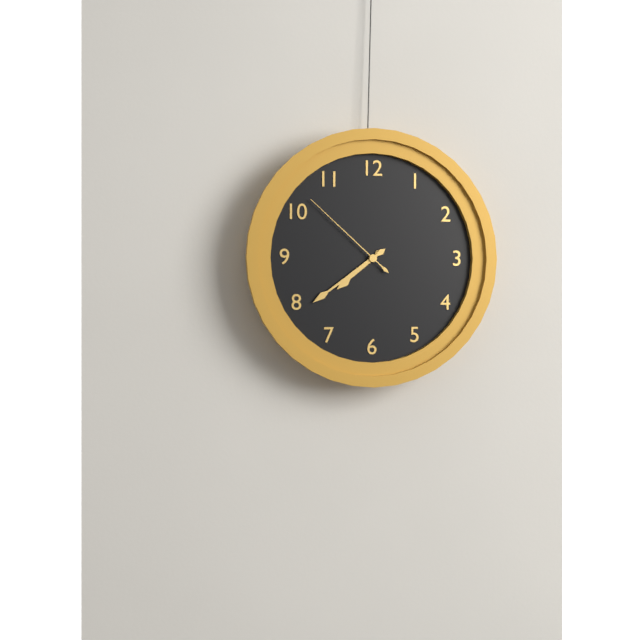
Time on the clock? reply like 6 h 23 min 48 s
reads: 7 h 39 min 52 s
